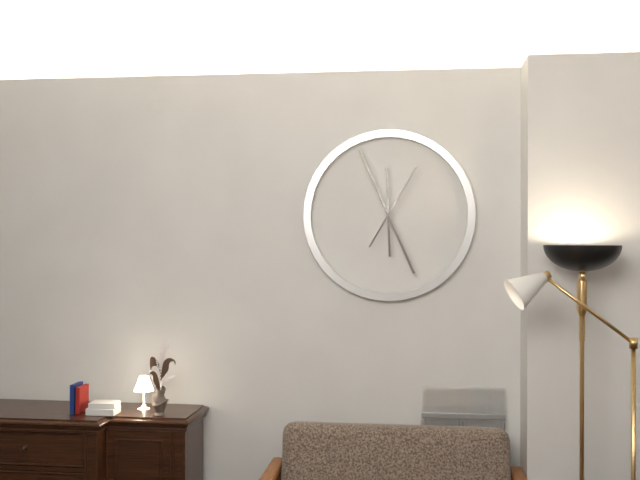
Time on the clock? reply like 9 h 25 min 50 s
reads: 11 h 56 min 05 s
